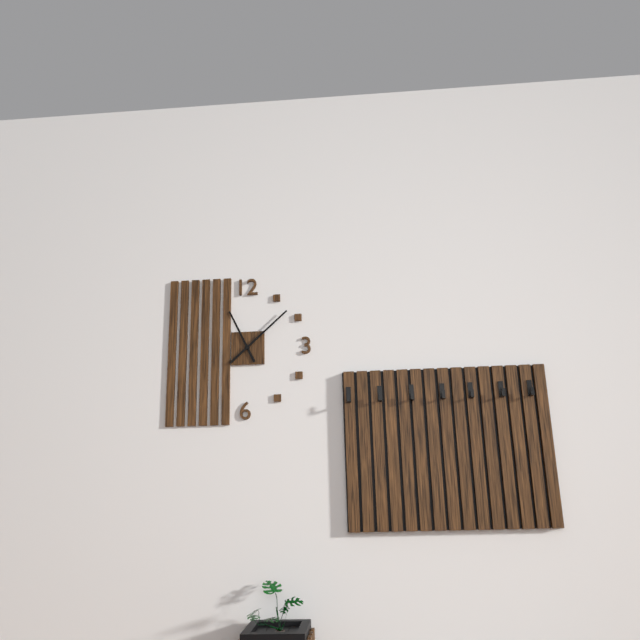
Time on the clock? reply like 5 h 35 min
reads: 11 h 08 min
